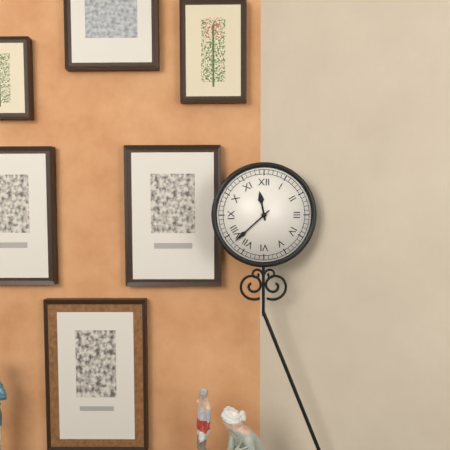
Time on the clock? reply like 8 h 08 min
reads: 11 h 38 min
